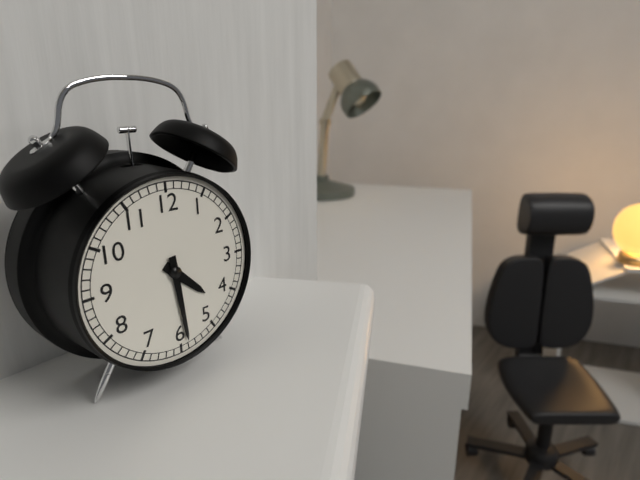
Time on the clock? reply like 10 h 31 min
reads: 4 h 29 min
